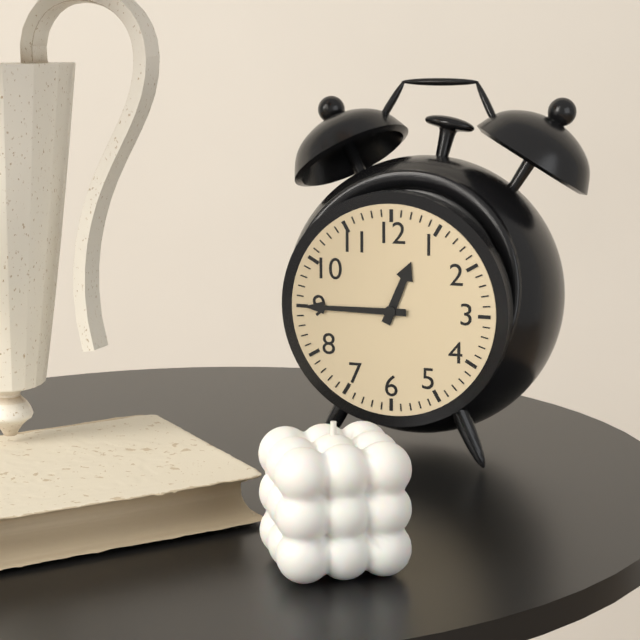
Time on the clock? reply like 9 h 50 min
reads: 12 h 45 min
